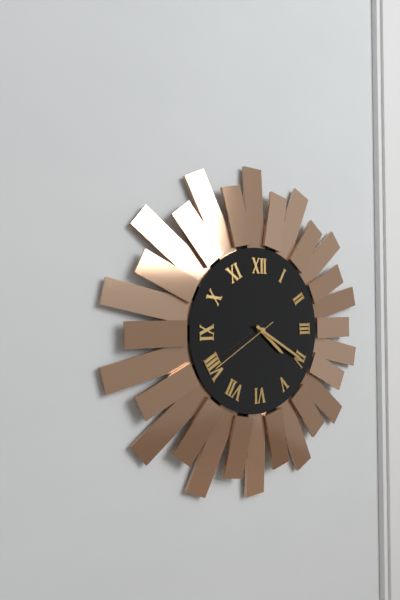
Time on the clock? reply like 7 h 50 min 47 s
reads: 4 h 20 min 40 s
